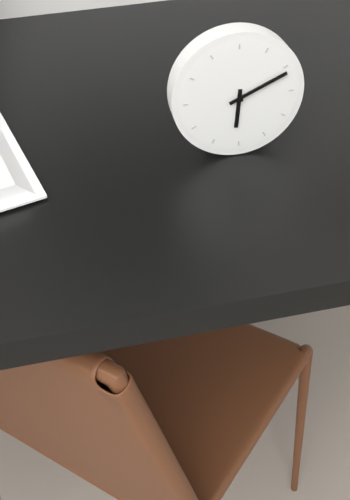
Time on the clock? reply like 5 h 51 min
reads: 6 h 11 min
